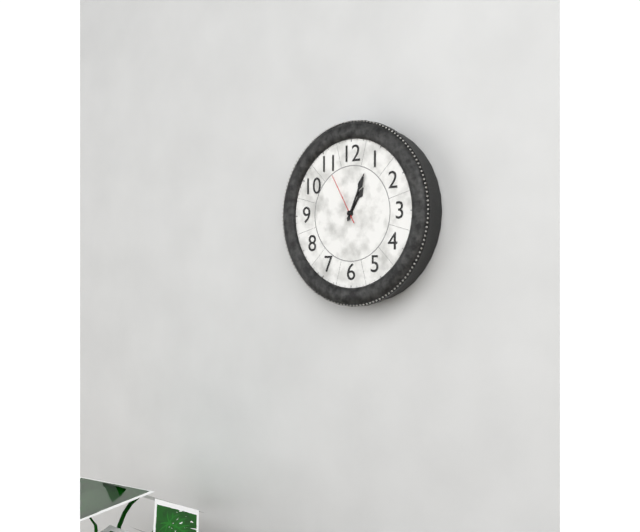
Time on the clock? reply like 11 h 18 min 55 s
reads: 1 h 04 min 55 s
